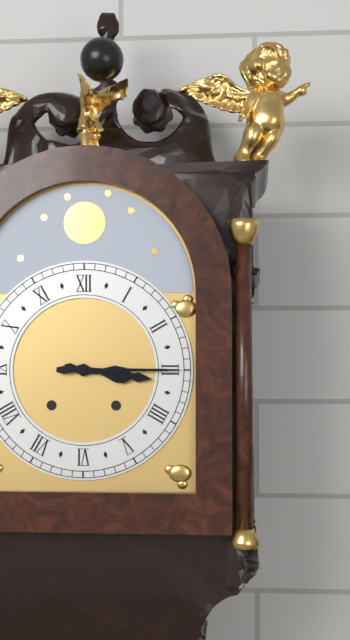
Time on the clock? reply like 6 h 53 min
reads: 3 h 15 min
